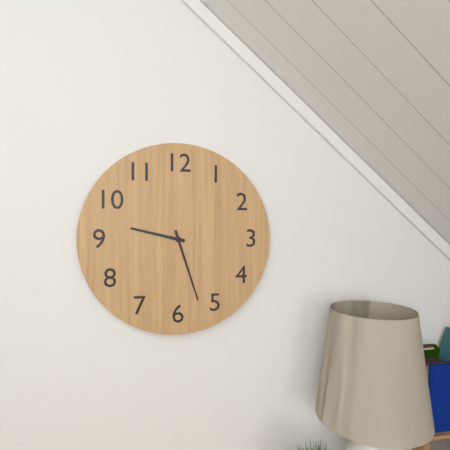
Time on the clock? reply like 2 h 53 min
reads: 9 h 27 min
